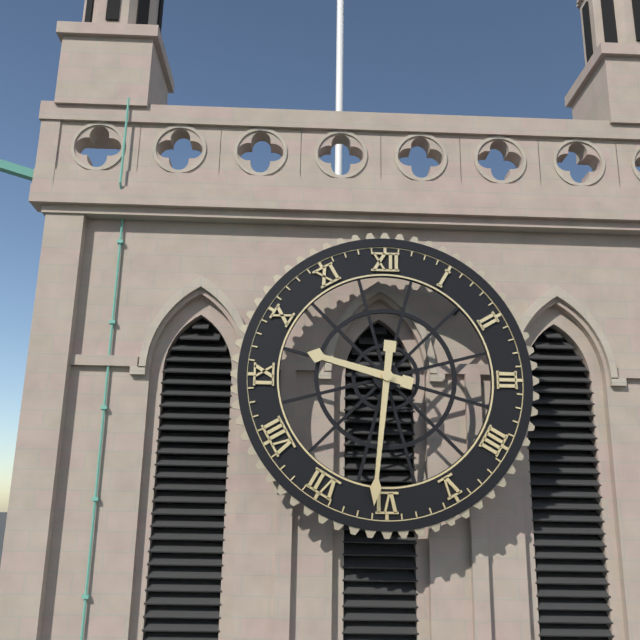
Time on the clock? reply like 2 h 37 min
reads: 9 h 31 min
